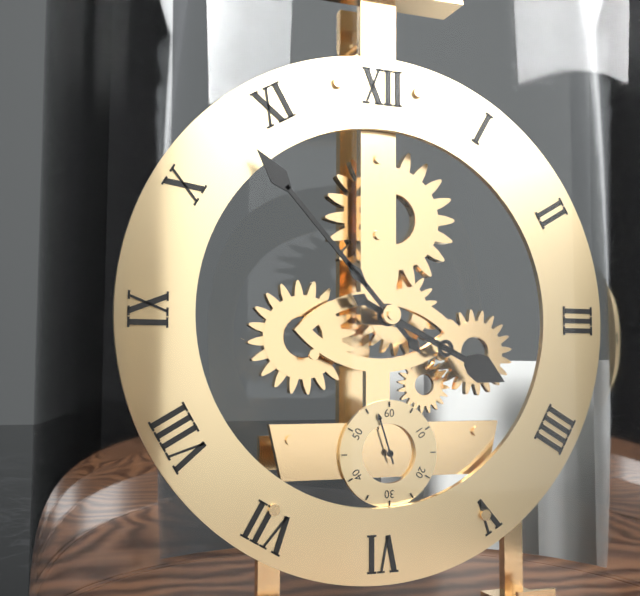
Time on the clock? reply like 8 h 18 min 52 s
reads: 3 h 53 min 57 s
